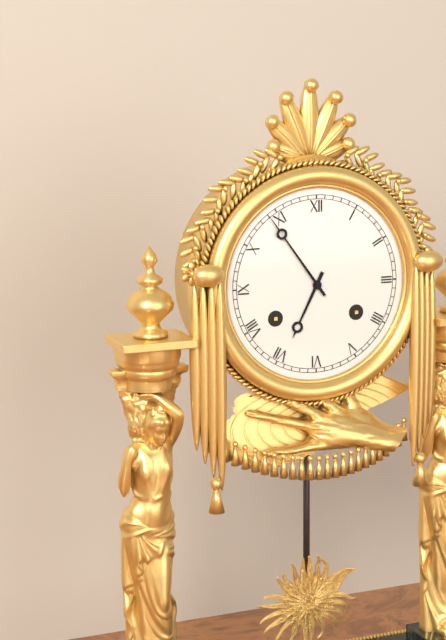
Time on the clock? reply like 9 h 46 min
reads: 6 h 54 min
